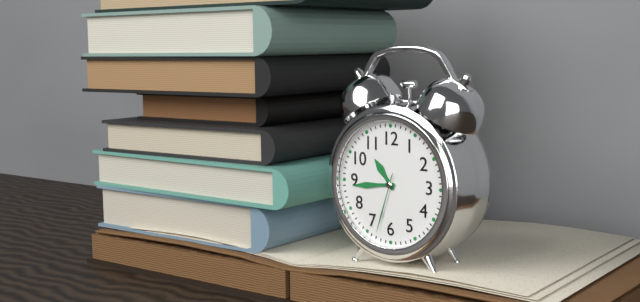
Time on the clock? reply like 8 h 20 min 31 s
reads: 10 h 44 min 33 s
